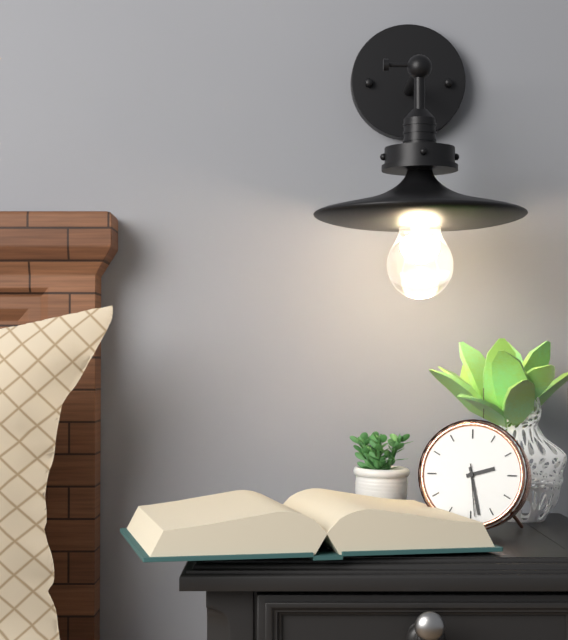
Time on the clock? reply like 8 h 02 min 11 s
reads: 2 h 28 min 29 s
